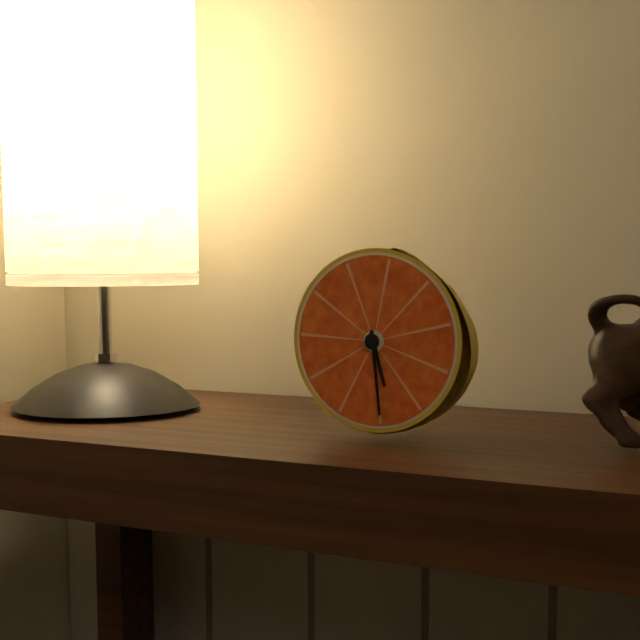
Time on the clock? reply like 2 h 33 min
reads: 5 h 29 min
